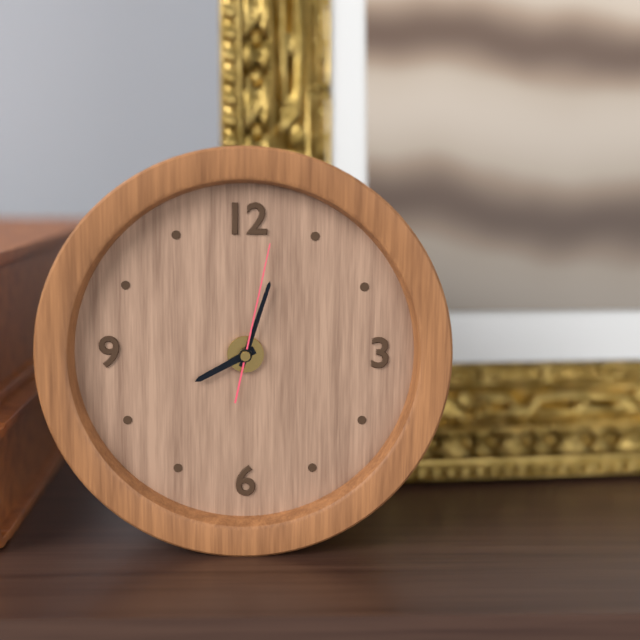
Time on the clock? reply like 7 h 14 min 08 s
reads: 8 h 03 min 02 s
